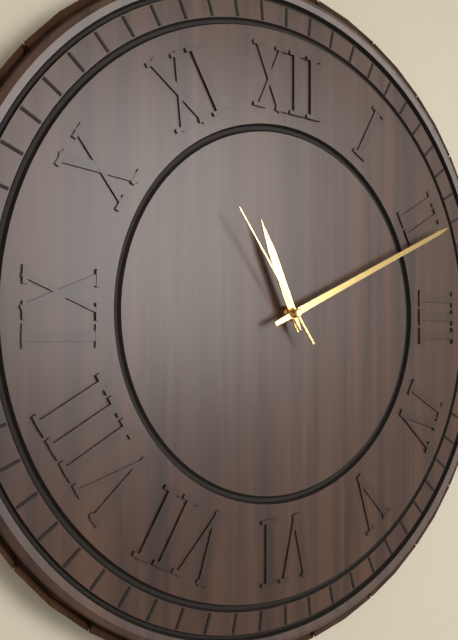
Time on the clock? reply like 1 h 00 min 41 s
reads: 11 h 11 min 54 s
